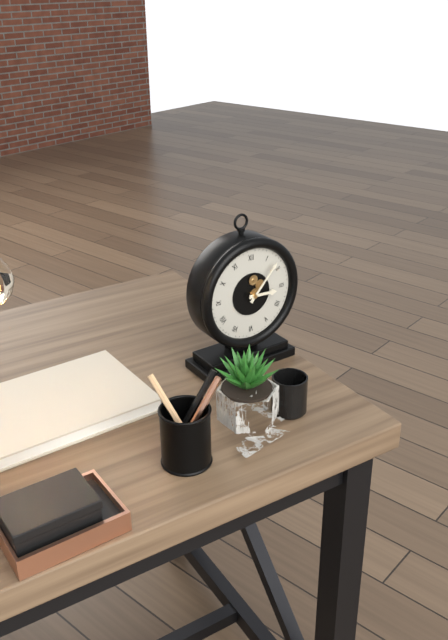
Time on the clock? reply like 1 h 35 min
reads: 3 h 07 min
